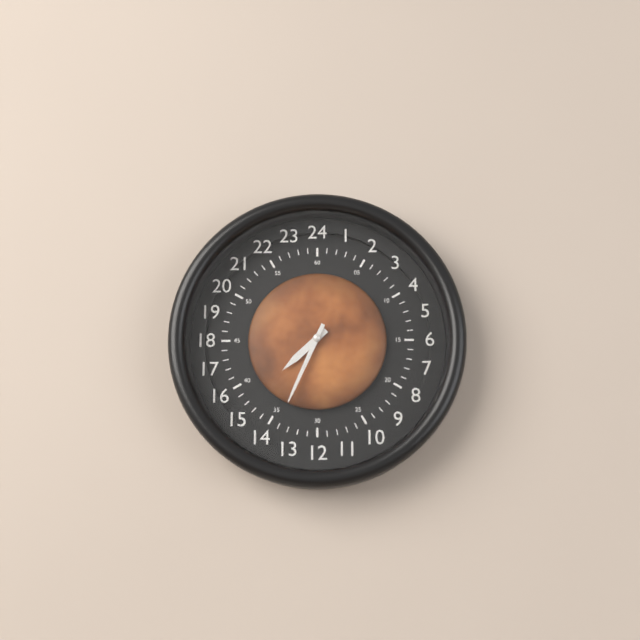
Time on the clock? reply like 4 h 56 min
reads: 7 h 34 min
